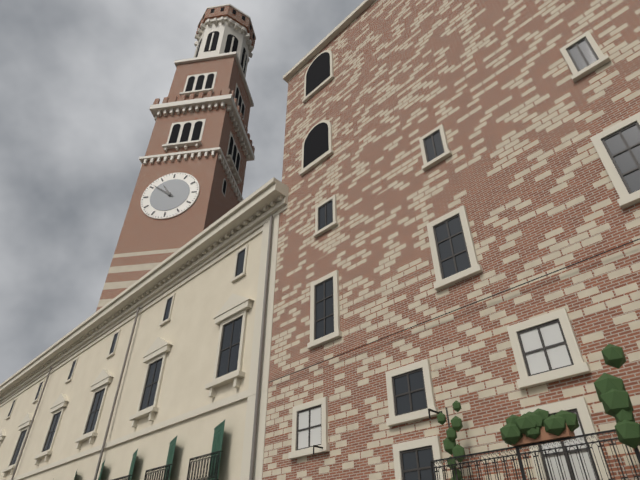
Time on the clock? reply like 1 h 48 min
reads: 10 h 51 min
